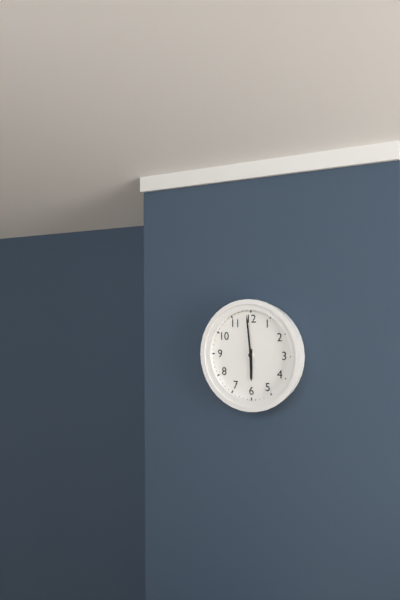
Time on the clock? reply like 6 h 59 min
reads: 5 h 59 min
